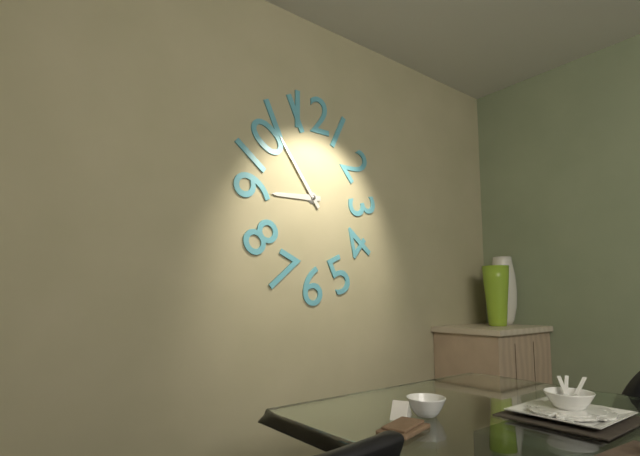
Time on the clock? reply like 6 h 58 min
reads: 8 h 54 min
